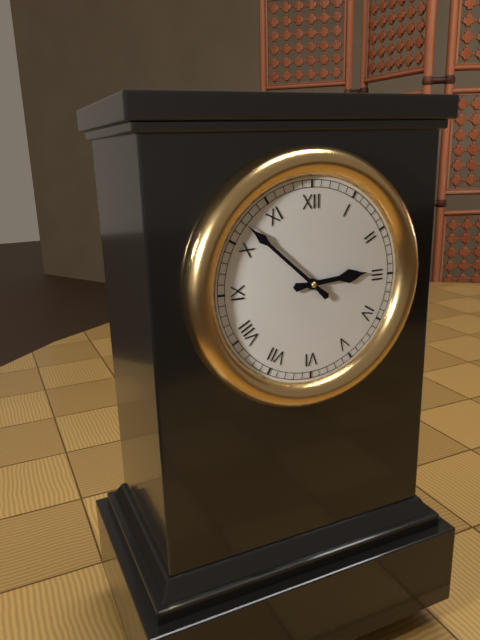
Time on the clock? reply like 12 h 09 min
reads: 2 h 52 min
